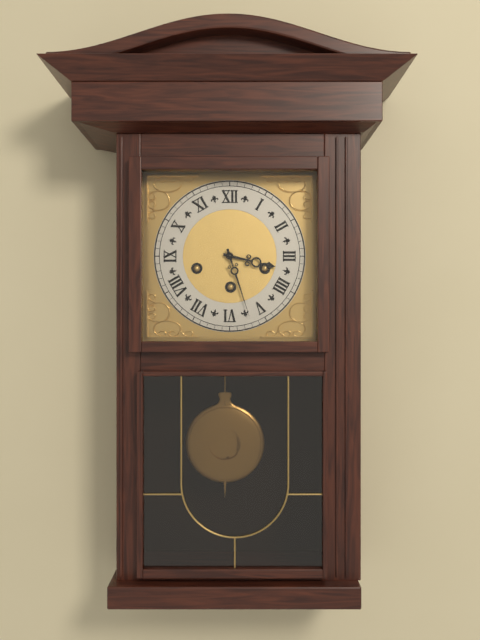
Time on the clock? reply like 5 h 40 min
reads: 3 h 27 min
